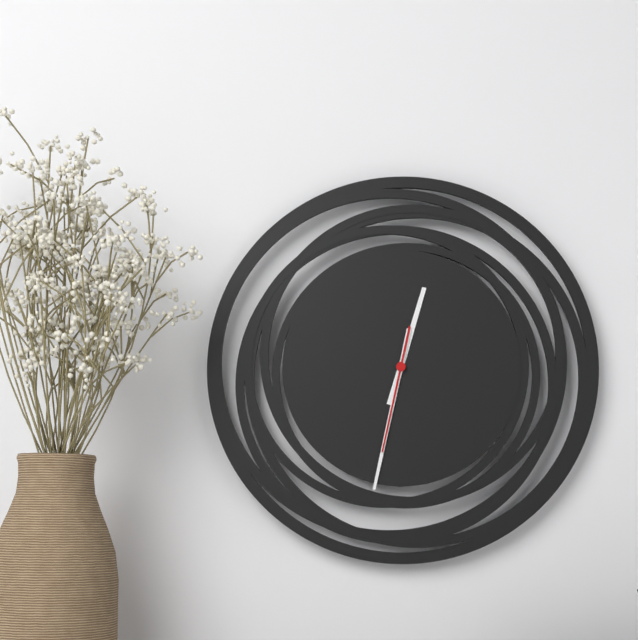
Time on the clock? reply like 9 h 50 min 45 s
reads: 12 h 32 min 32 s
